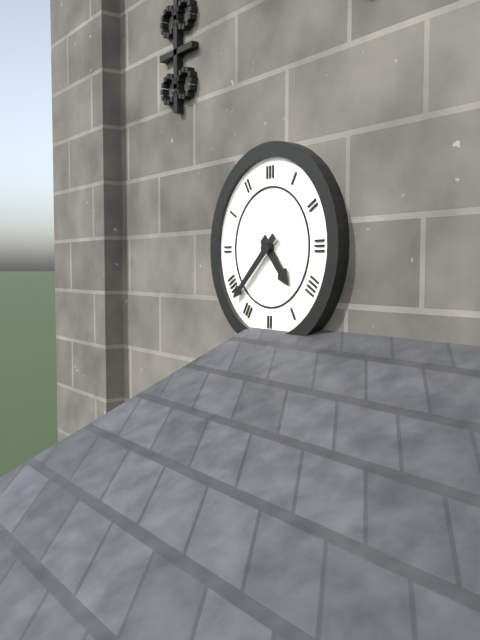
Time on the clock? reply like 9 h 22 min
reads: 4 h 38 min
